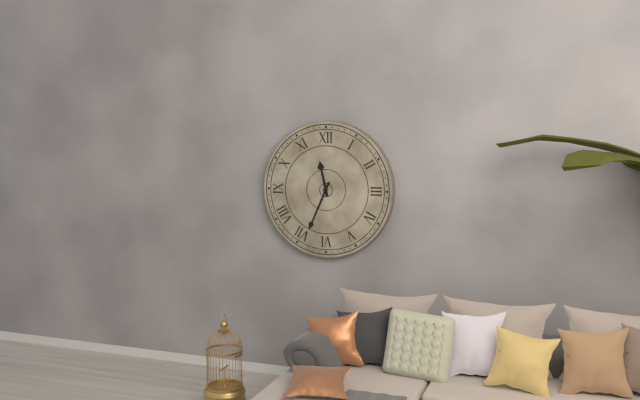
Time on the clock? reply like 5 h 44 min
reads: 11 h 34 min
